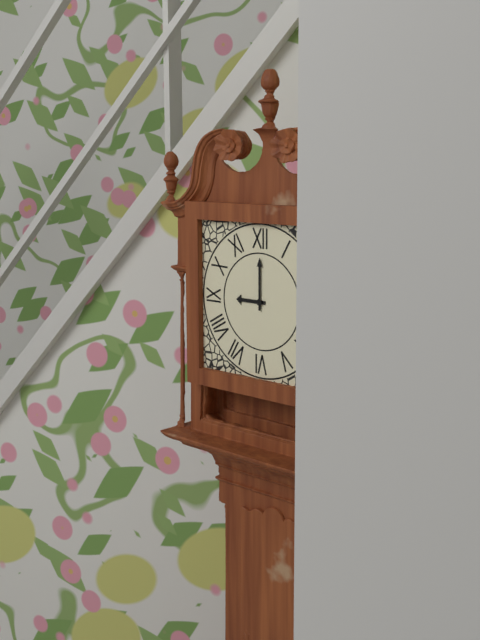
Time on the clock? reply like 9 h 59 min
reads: 9 h 00 min
